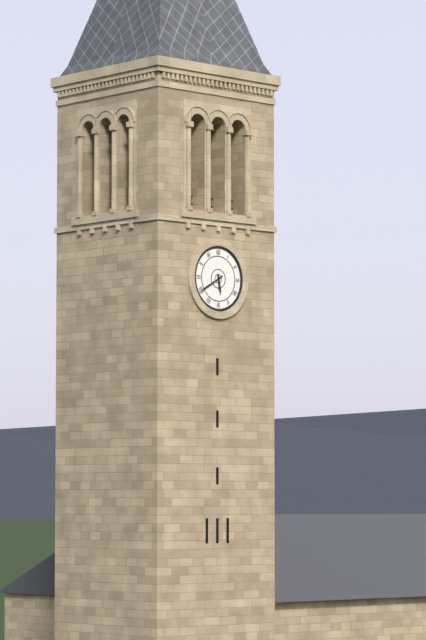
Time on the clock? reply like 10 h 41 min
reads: 5 h 40 min
